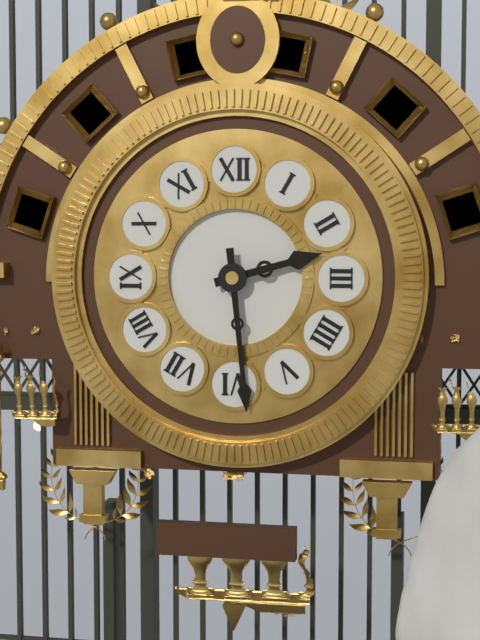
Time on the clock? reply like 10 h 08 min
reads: 2 h 29 min
